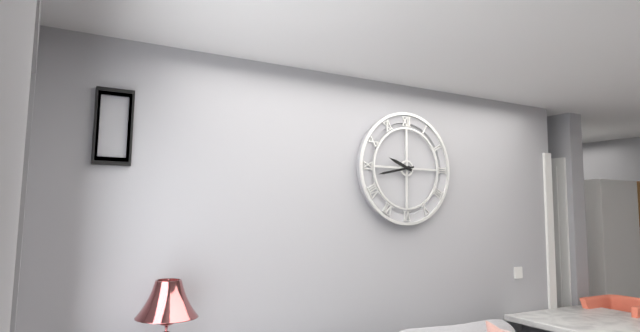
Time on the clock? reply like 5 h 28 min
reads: 9 h 43 min
